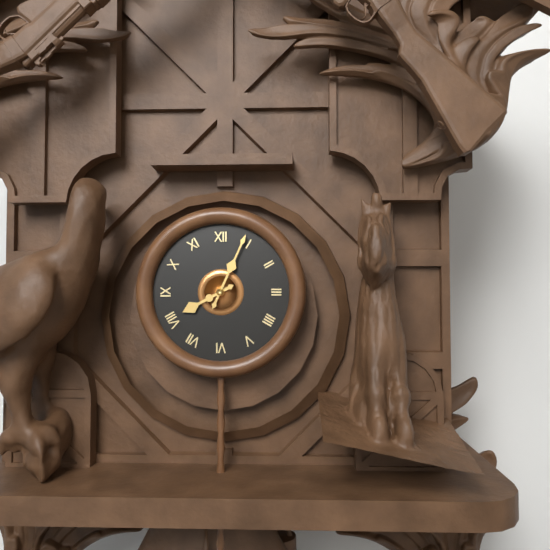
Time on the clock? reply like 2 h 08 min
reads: 8 h 04 min
